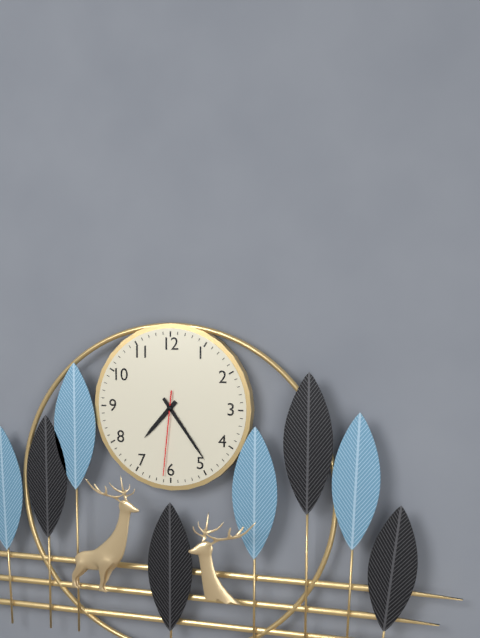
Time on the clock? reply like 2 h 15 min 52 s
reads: 7 h 24 min 31 s
